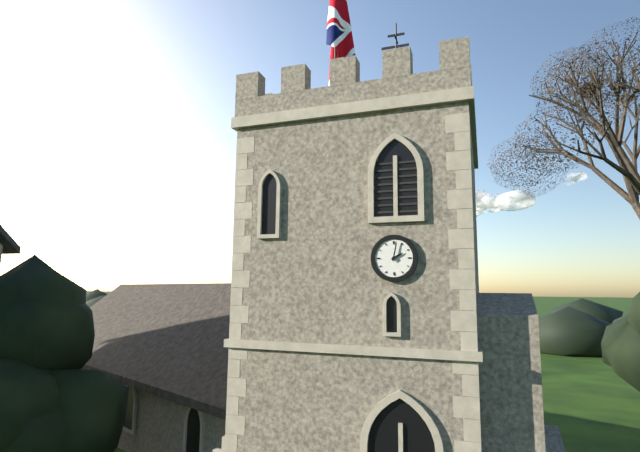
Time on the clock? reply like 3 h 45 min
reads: 2 h 02 min
